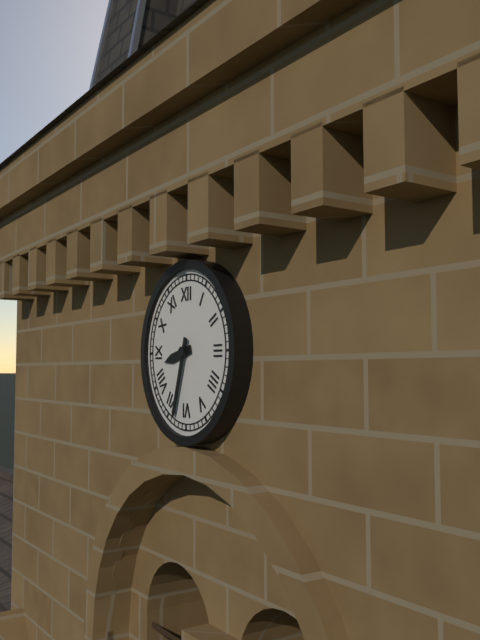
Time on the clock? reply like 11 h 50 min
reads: 8 h 33 min
